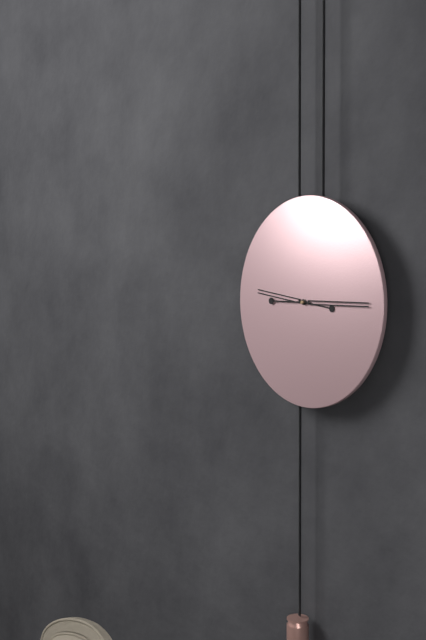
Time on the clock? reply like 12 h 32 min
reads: 9 h 15 min
